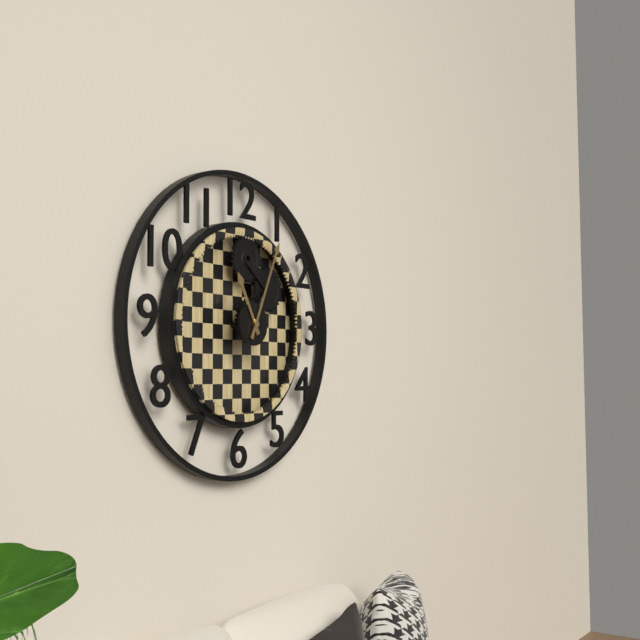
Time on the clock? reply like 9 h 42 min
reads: 11 h 04 min
